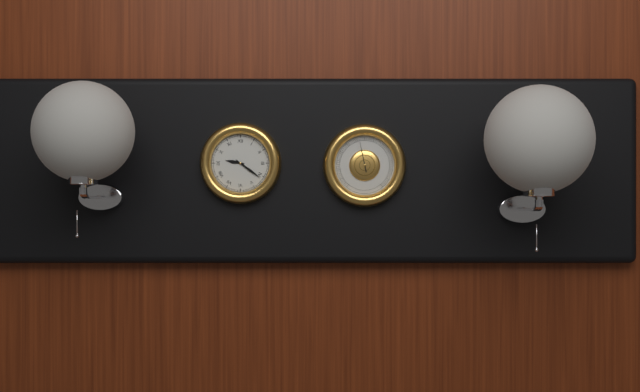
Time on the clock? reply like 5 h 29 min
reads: 9 h 21 min
